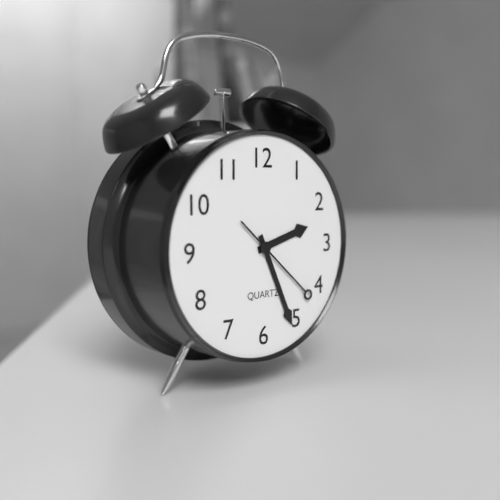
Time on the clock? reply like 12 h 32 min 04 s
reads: 2 h 26 min 22 s
